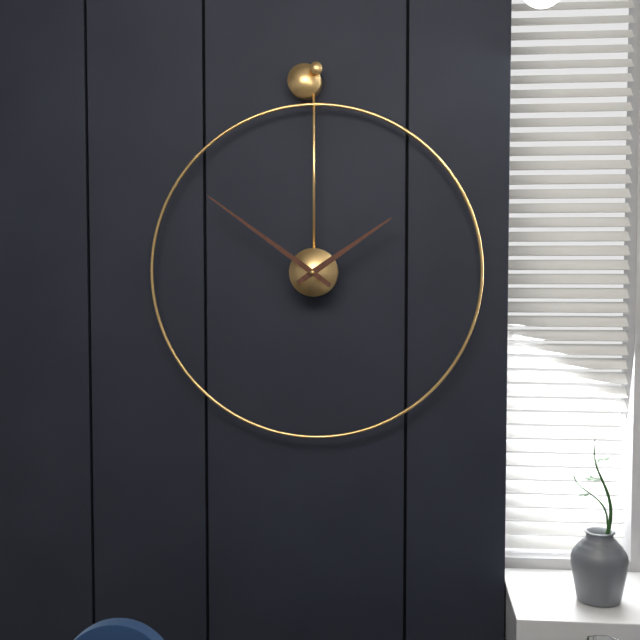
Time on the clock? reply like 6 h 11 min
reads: 1 h 51 min
